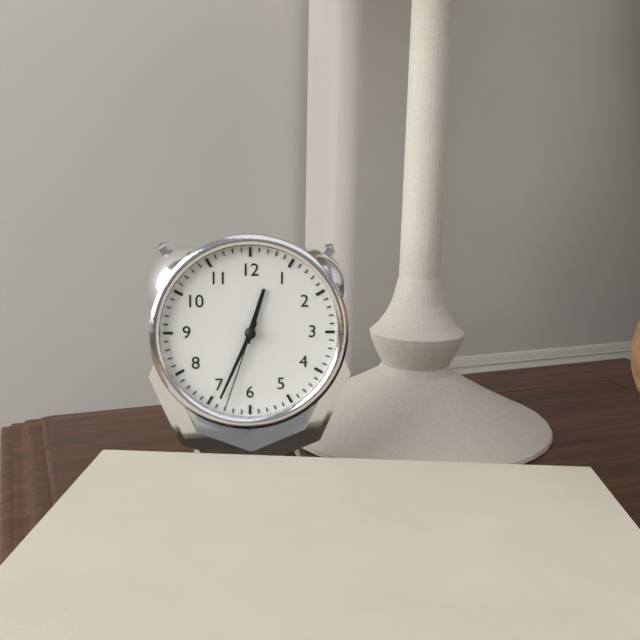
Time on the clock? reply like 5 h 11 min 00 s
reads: 12 h 34 min 33 s
